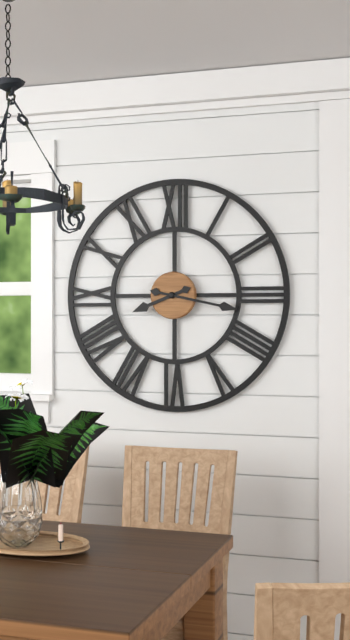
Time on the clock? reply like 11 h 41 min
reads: 8 h 17 min
